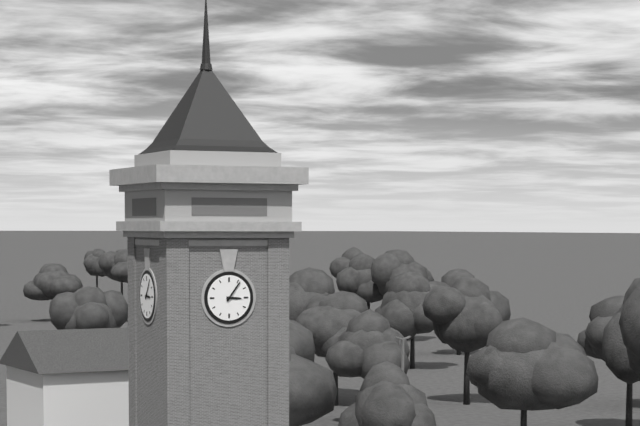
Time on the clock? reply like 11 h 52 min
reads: 3 h 06 min
